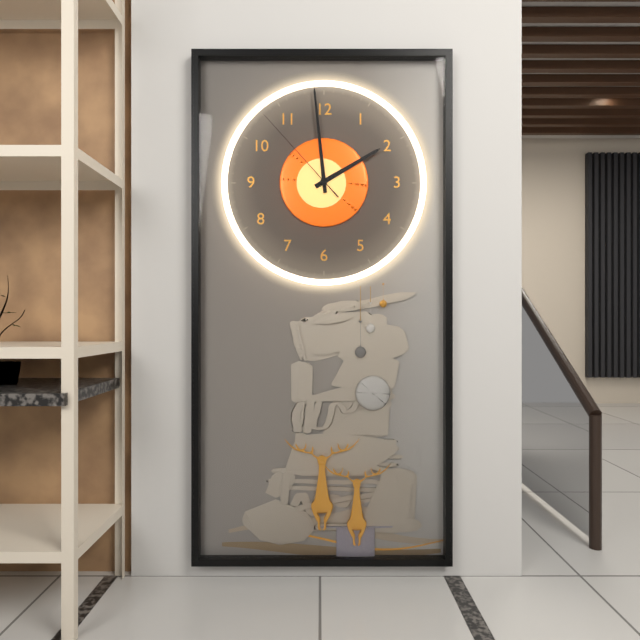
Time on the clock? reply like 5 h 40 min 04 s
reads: 1 h 59 min 53 s
